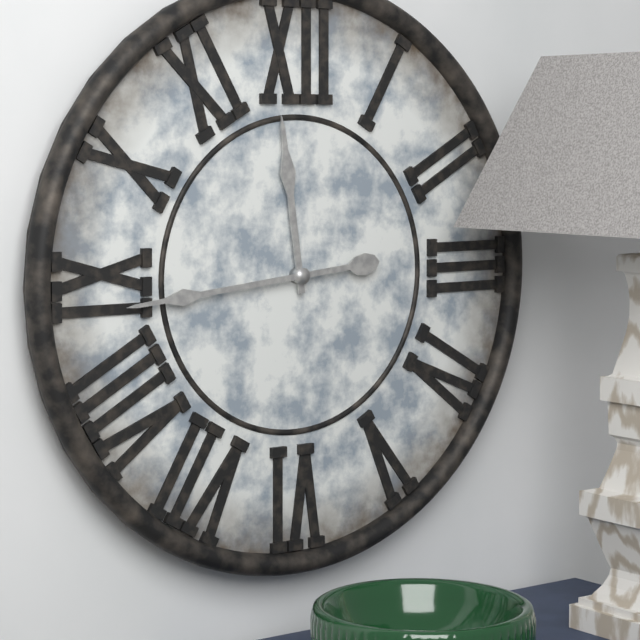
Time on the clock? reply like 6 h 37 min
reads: 11 h 44 min
